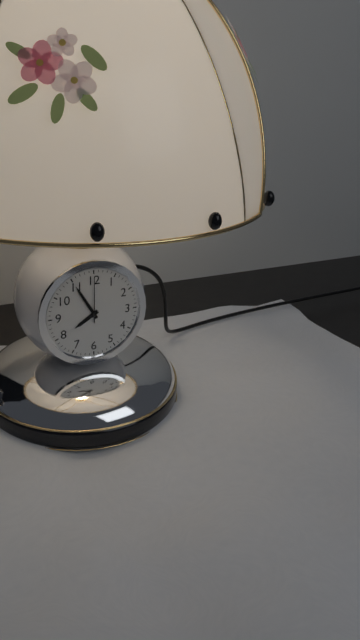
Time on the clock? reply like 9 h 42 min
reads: 7 h 55 min
